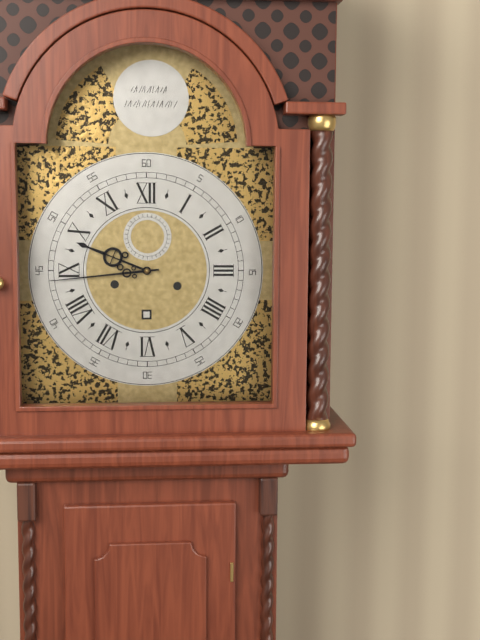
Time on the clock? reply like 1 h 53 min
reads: 9 h 44 min
